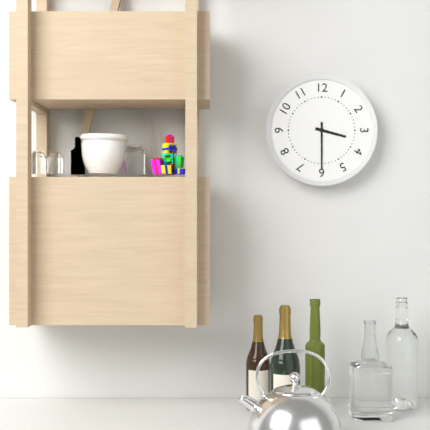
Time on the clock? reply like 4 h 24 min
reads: 3 h 30 min
